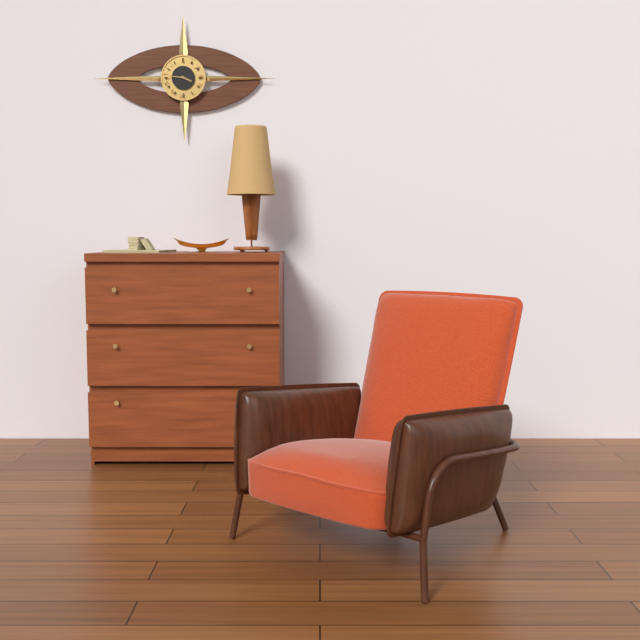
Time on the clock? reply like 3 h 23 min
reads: 3 h 46 min
